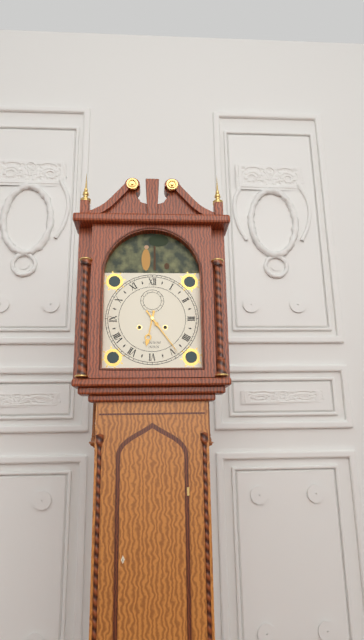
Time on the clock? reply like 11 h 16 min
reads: 6 h 24 min
